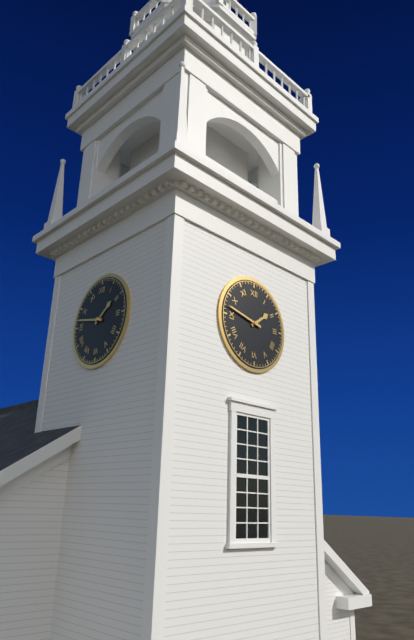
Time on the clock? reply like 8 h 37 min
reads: 1 h 47 min
